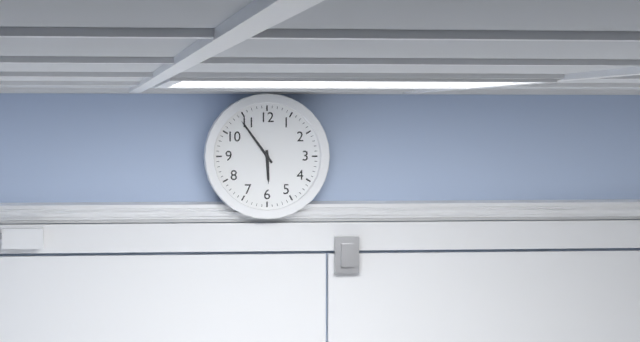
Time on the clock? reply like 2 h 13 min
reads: 5 h 54 min
